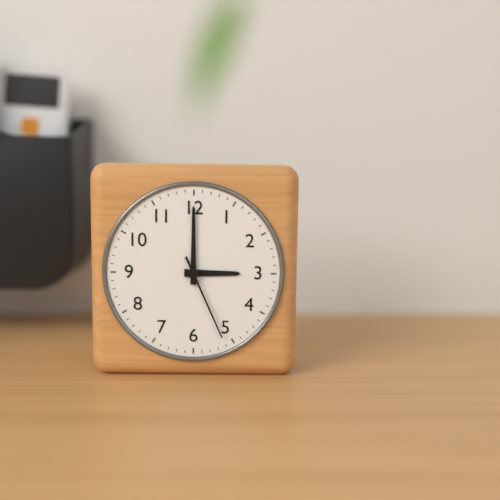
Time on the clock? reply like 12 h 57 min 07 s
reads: 3 h 00 min 26 s
